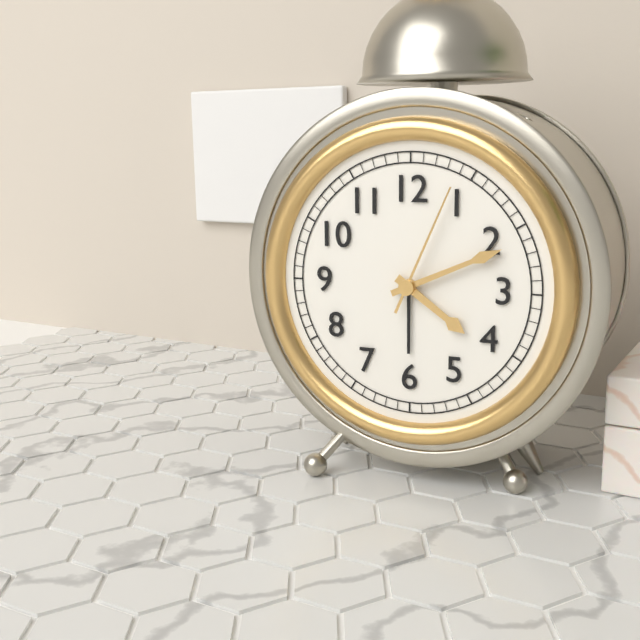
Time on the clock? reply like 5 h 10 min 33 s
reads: 4 h 11 min 04 s
